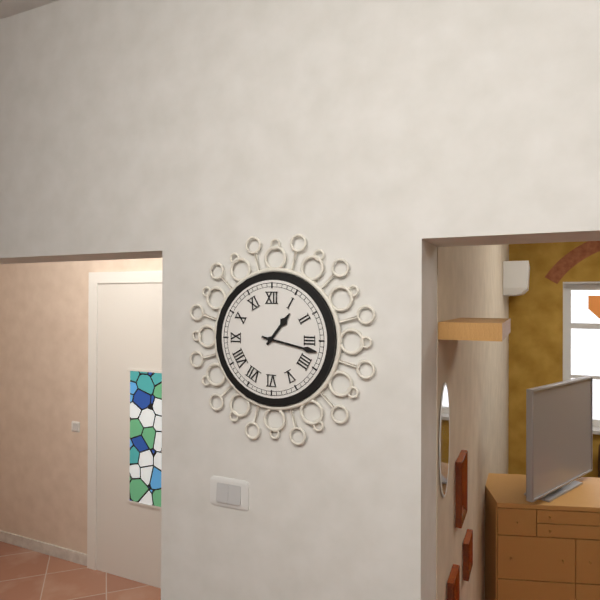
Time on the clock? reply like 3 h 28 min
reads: 1 h 17 min
